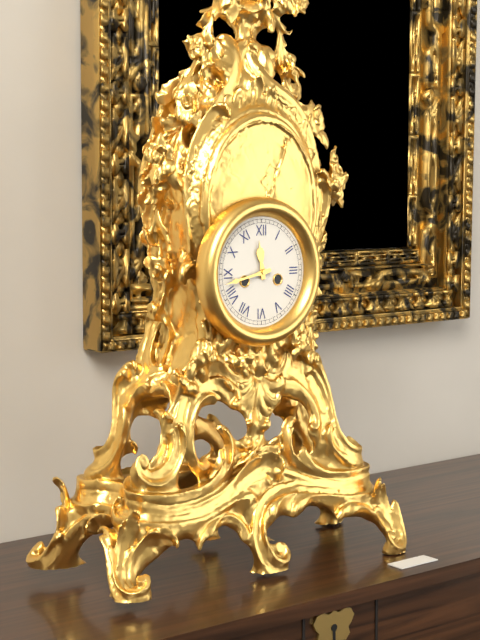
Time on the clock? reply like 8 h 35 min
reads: 11 h 43 min
